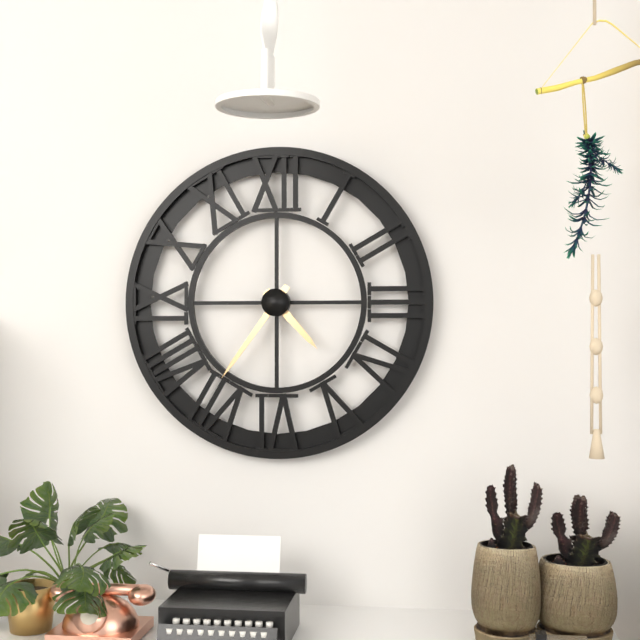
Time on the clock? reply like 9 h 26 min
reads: 4 h 36 min
